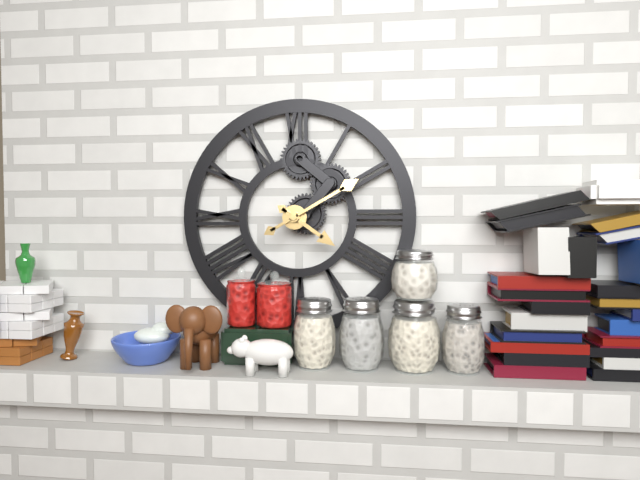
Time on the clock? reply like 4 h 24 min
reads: 4 h 10 min
